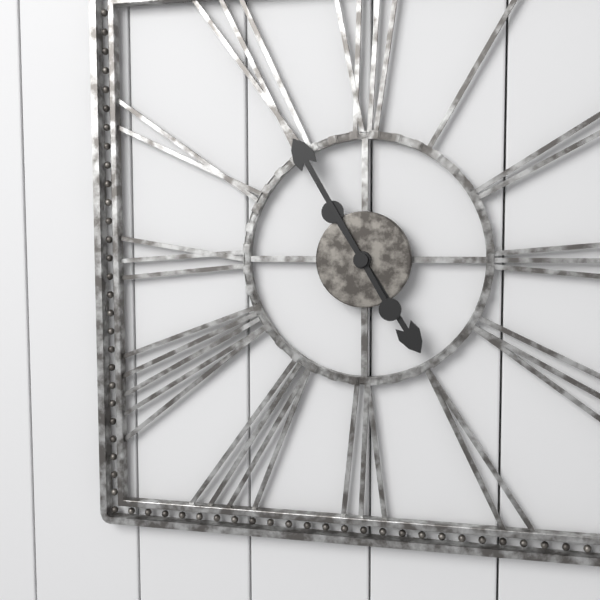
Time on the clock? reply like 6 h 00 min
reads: 4 h 55 min
